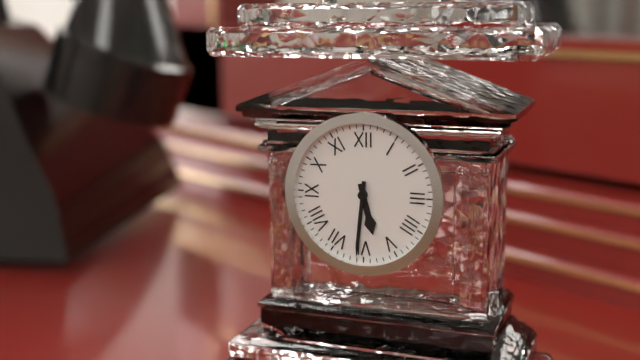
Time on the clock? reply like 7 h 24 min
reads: 5 h 31 min
